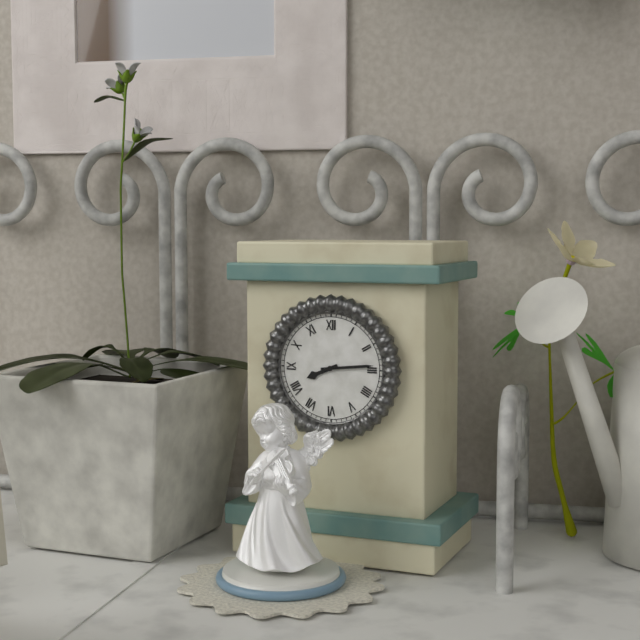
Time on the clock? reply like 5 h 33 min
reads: 8 h 14 min
